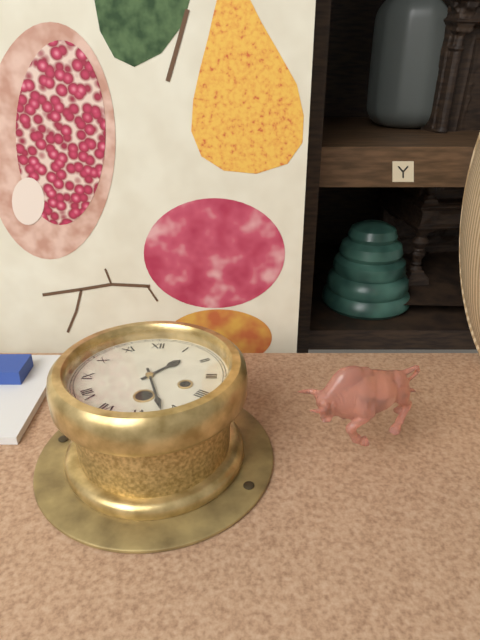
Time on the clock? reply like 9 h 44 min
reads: 1 h 27 min
